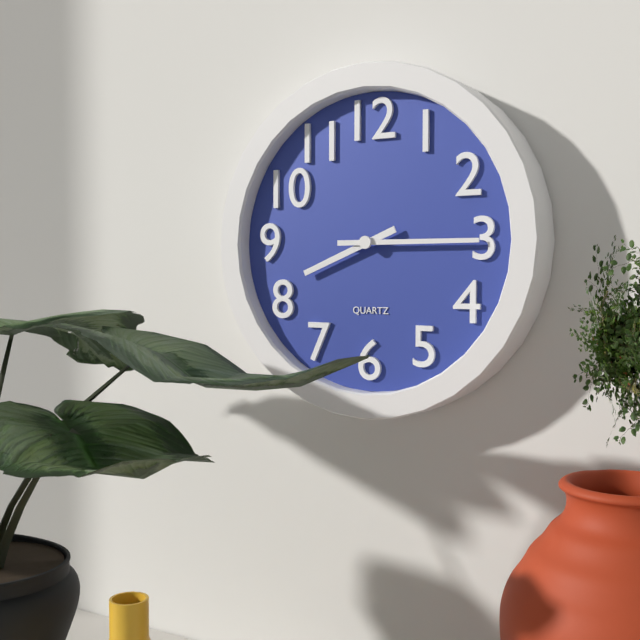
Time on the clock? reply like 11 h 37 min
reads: 8 h 15 min
